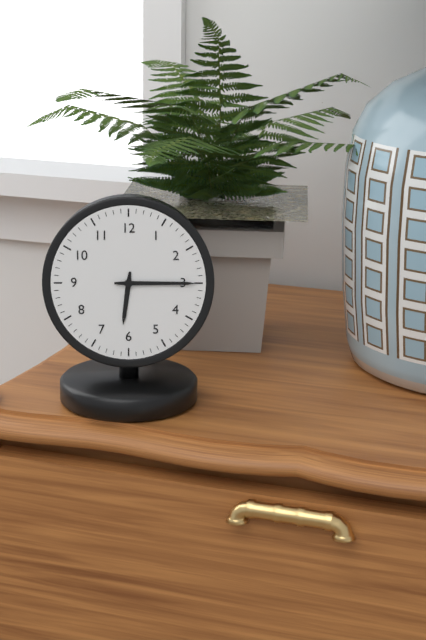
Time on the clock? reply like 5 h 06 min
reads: 6 h 15 min
